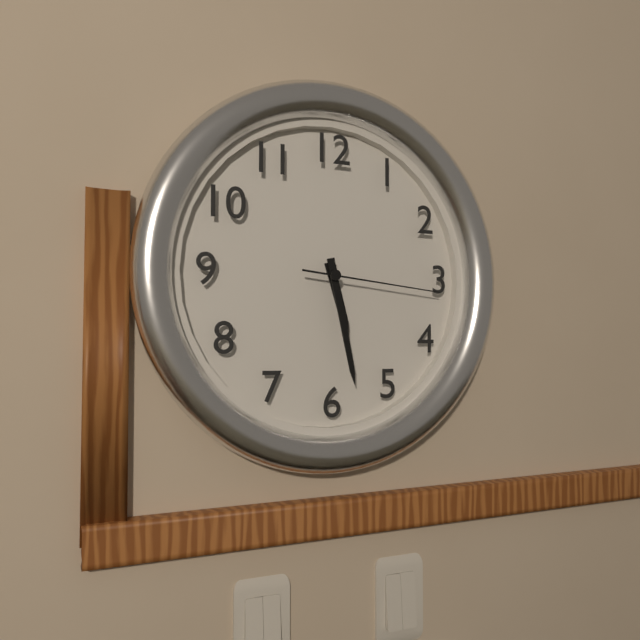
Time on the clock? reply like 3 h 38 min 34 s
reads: 5 h 28 min 16 s
